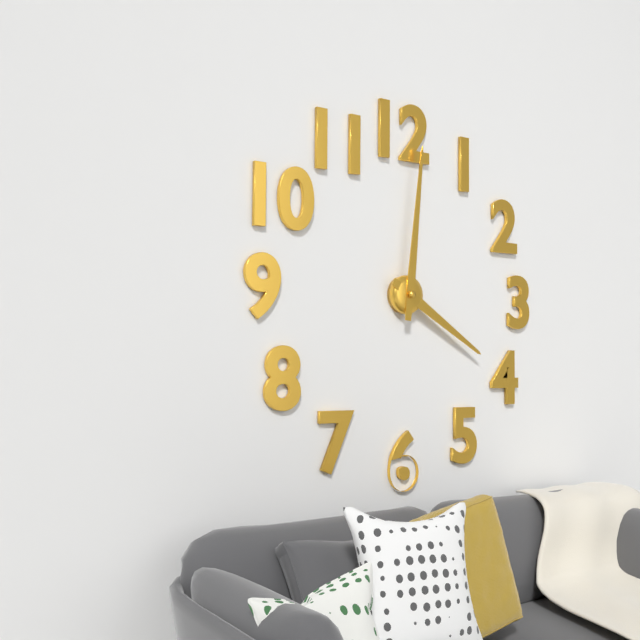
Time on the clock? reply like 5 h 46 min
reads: 4 h 01 min
